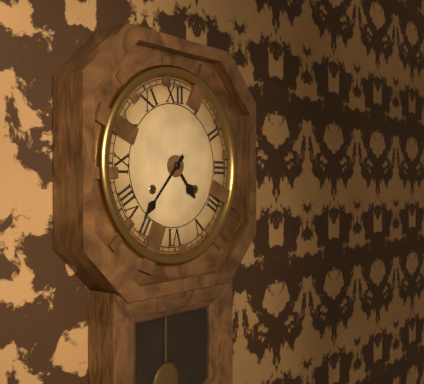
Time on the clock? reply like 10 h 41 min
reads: 4 h 37 min
